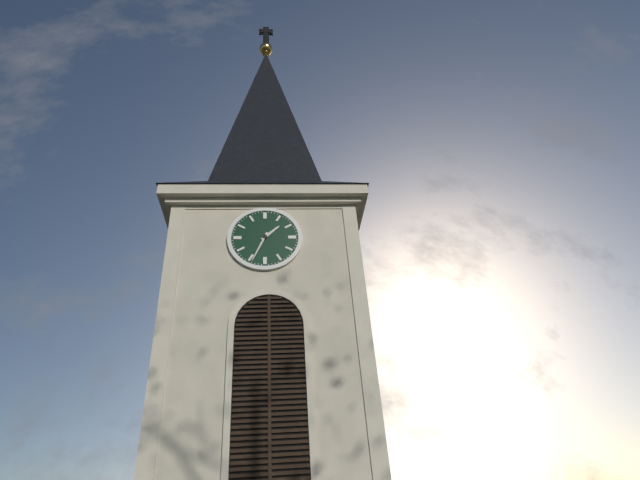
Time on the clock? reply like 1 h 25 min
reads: 1 h 34 min
